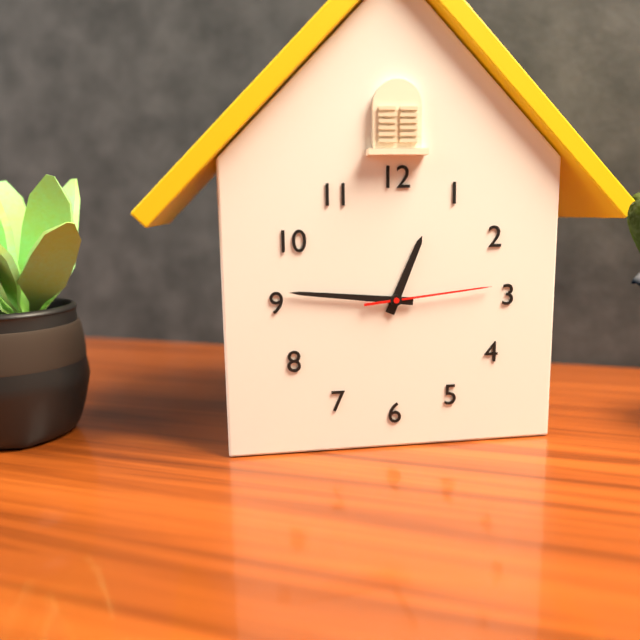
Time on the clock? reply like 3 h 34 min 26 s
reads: 12 h 46 min 14 s
